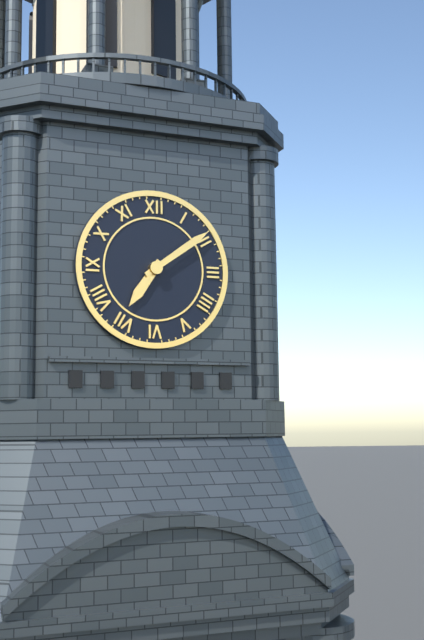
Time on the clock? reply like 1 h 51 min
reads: 7 h 09 min
